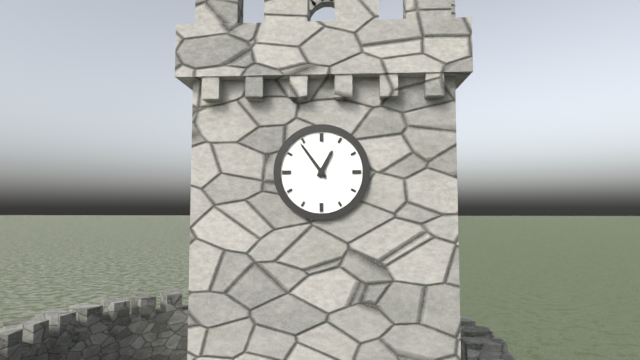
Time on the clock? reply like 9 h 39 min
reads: 12 h 54 min
